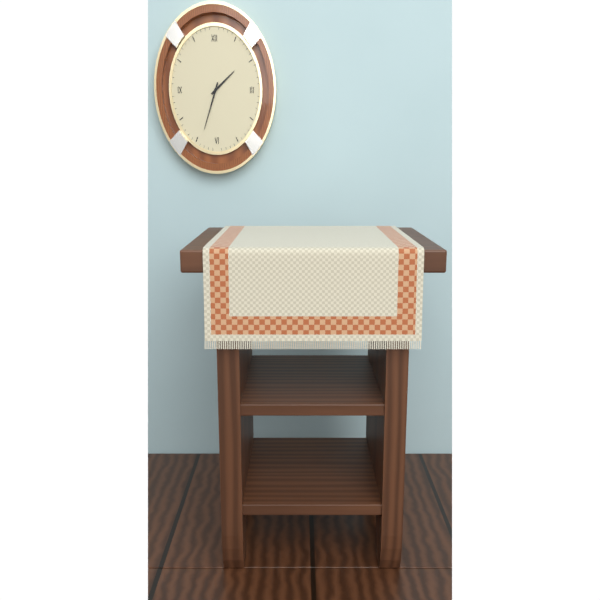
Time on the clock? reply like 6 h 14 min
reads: 1 h 33 min
